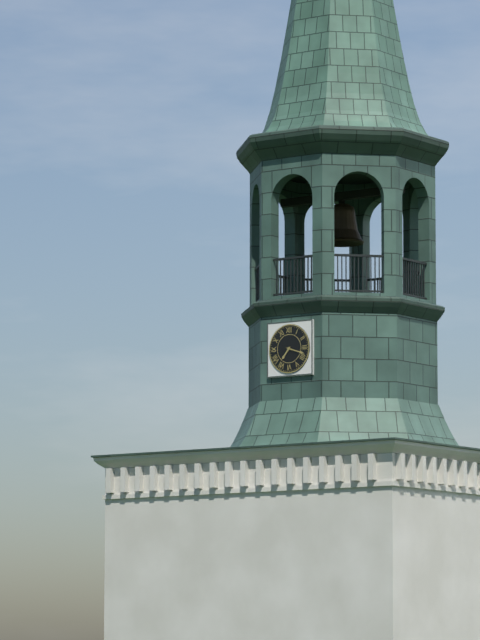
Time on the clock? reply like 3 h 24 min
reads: 7 h 18 min
